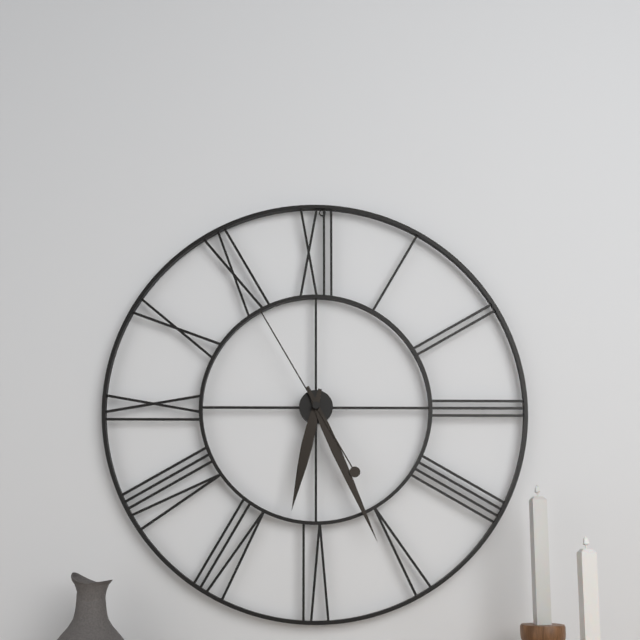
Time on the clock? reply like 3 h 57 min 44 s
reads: 6 h 26 min 55 s
